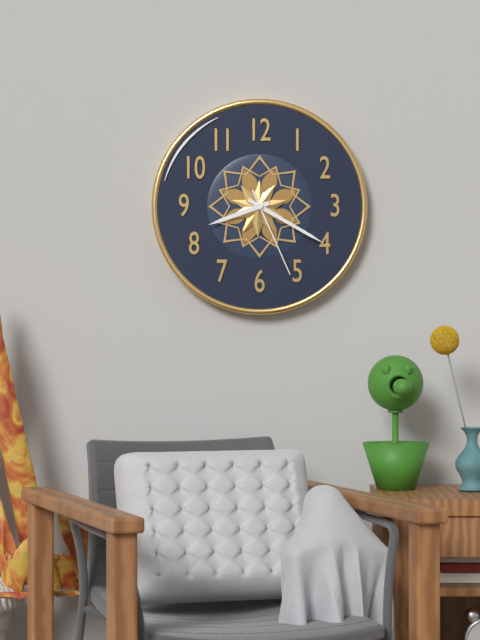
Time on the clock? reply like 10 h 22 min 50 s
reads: 8 h 20 min 26 s
